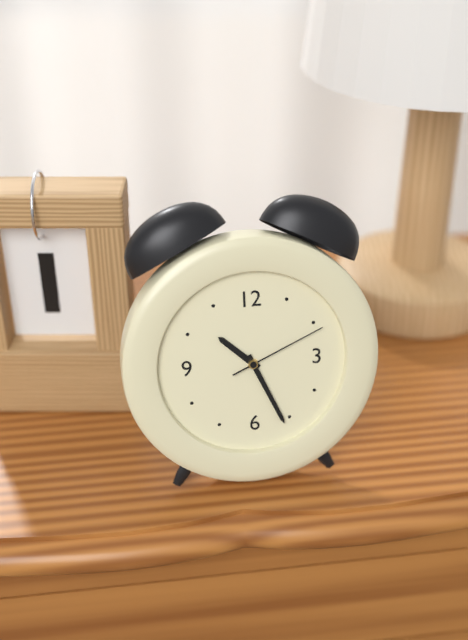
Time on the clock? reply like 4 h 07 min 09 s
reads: 10 h 26 min 11 s
